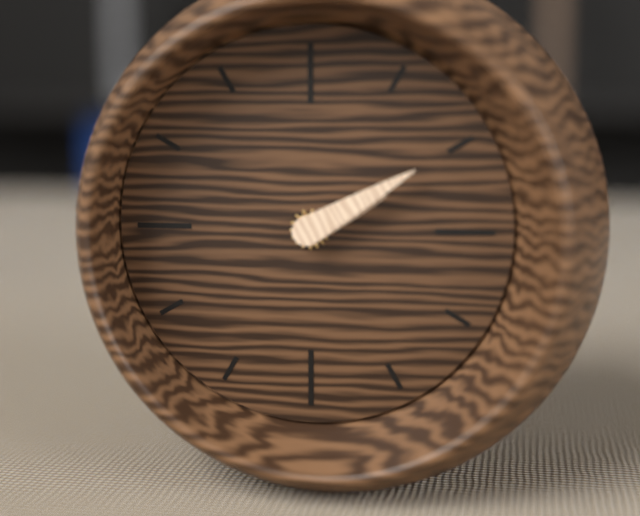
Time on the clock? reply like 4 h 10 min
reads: 2 h 10 min
